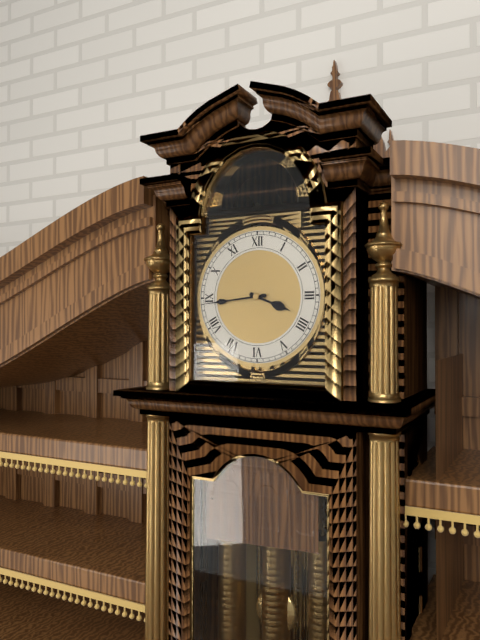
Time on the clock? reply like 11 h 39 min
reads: 3 h 44 min
